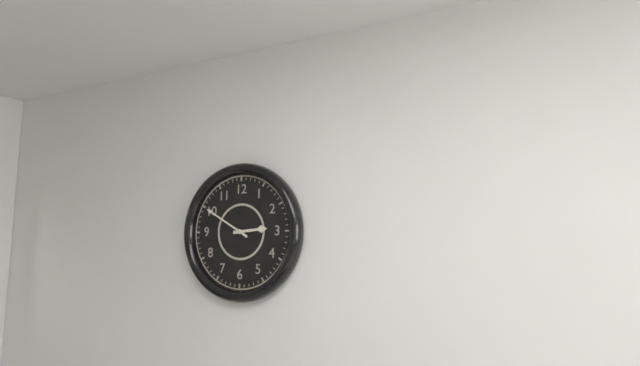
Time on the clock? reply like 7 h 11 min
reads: 2 h 50 min
